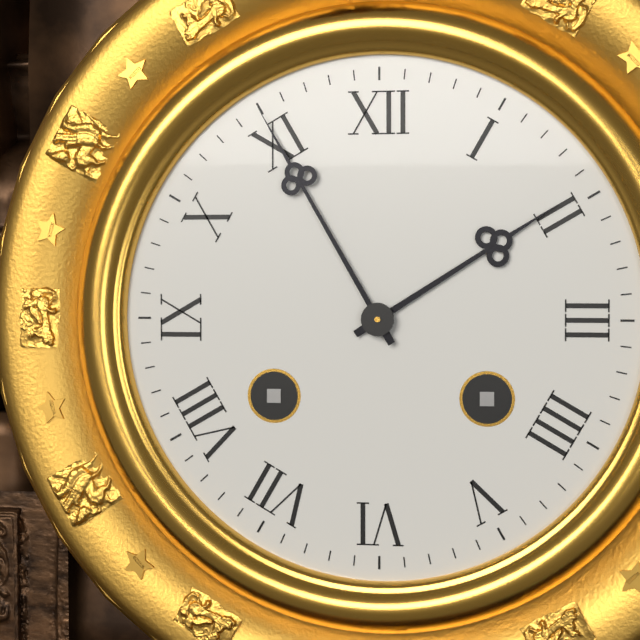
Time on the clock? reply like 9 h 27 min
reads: 1 h 55 min
